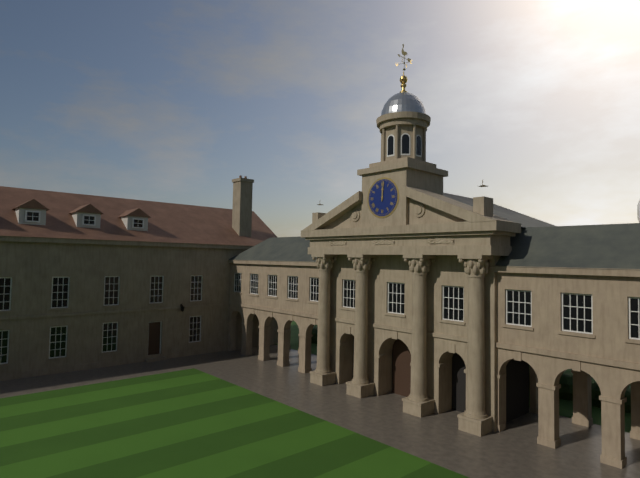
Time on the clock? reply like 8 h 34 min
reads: 12 h 01 min
